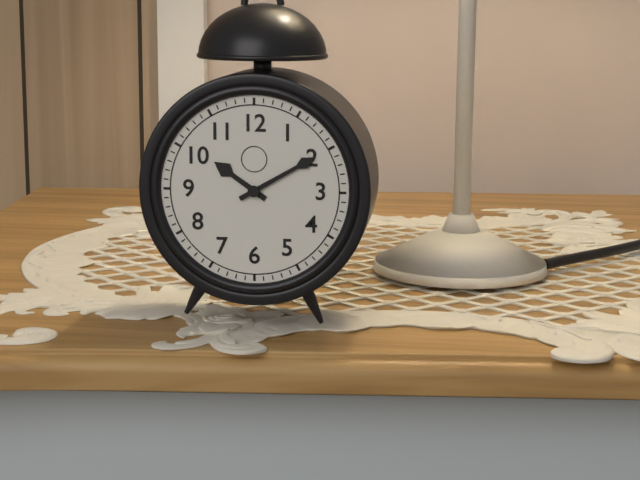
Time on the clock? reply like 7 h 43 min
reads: 10 h 10 min
